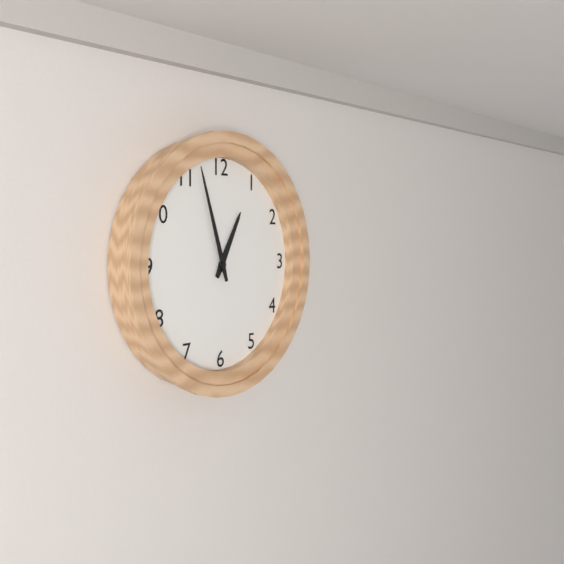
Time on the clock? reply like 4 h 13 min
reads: 12 h 57 min
